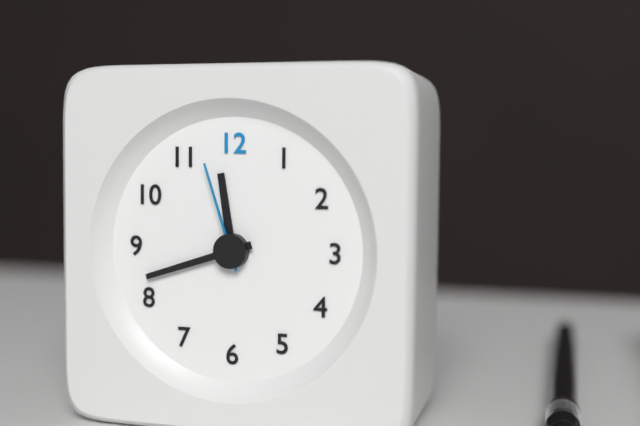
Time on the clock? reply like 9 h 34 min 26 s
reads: 11 h 42 min 57 s
